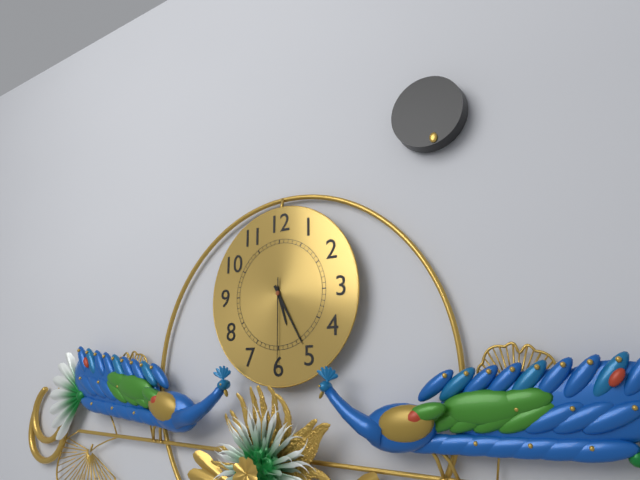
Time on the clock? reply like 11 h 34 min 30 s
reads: 5 h 25 min 30 s
